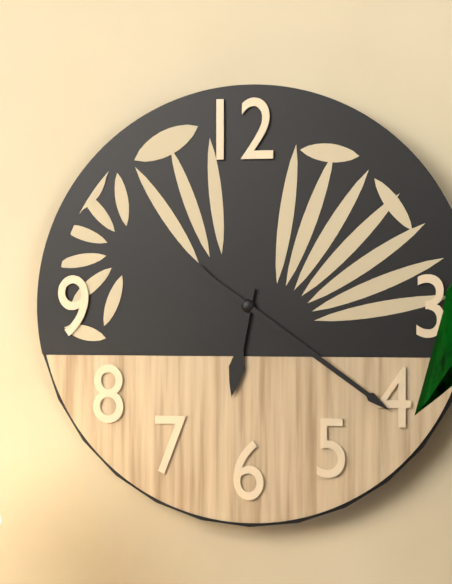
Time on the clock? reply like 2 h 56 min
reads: 6 h 21 min
